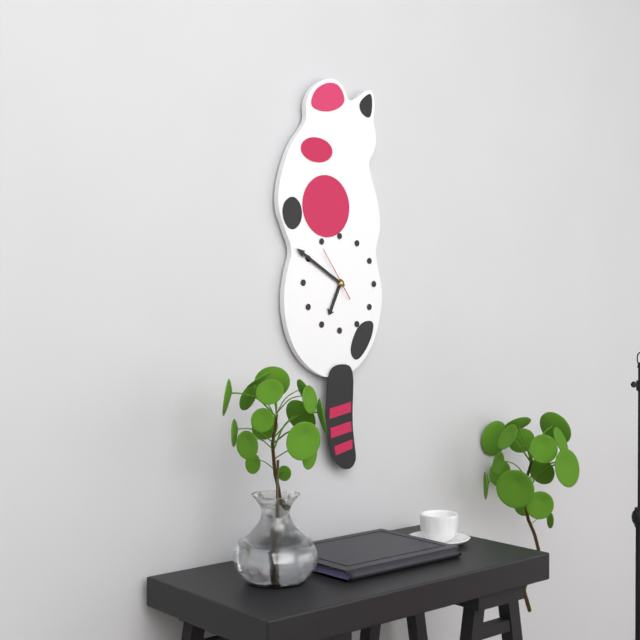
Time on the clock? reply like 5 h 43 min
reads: 6 h 50 min
